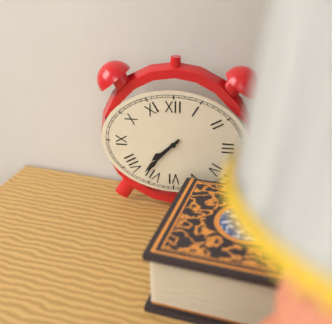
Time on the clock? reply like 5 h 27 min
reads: 7 h 37 min
